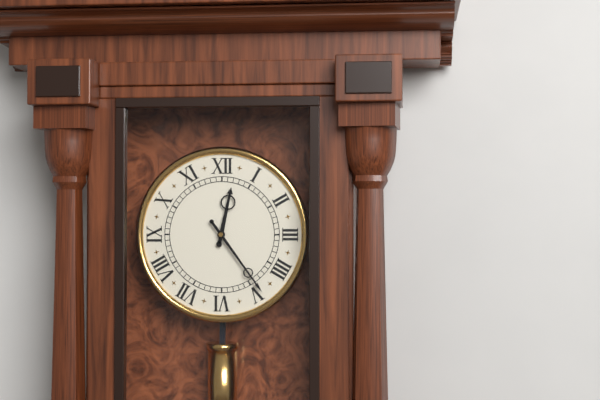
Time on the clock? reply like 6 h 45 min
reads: 12 h 24 min
